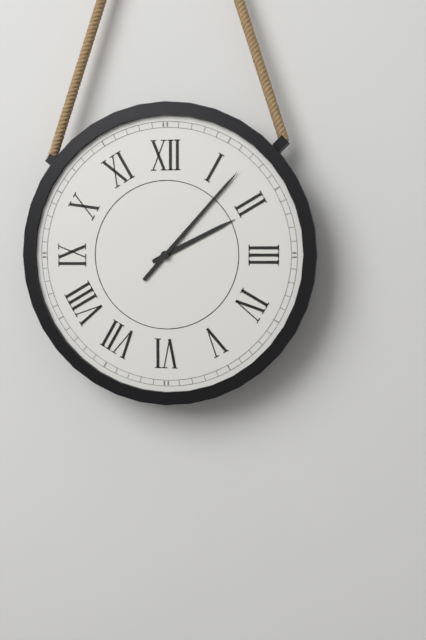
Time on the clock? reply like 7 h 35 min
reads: 2 h 07 min
